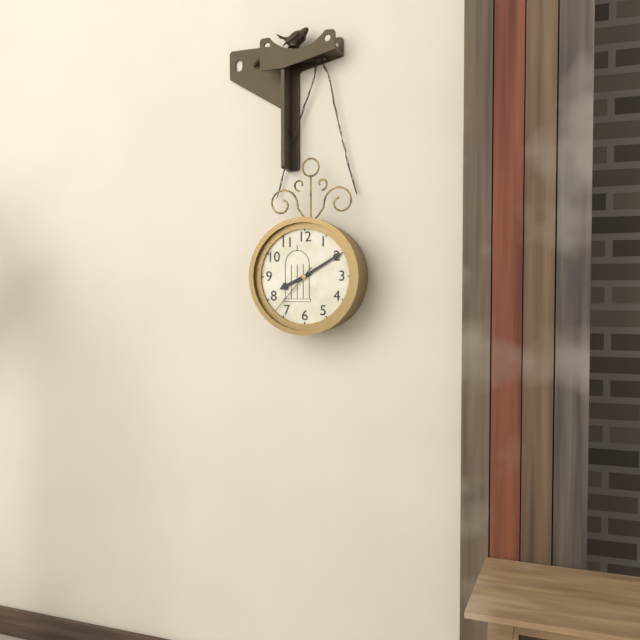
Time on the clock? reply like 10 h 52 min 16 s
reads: 8 h 10 min 37 s
